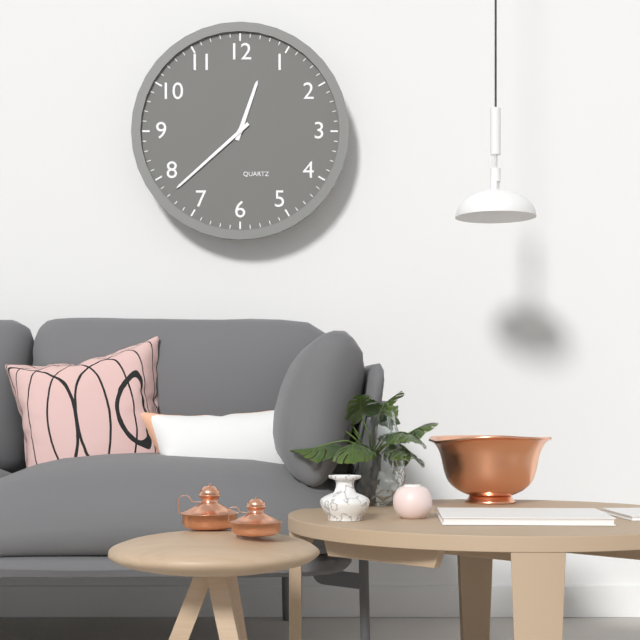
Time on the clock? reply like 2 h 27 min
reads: 12 h 38 min
